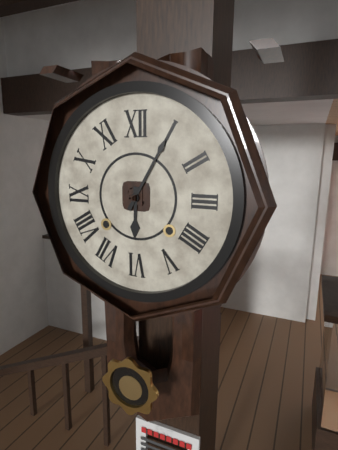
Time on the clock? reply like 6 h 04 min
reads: 6 h 05 min
